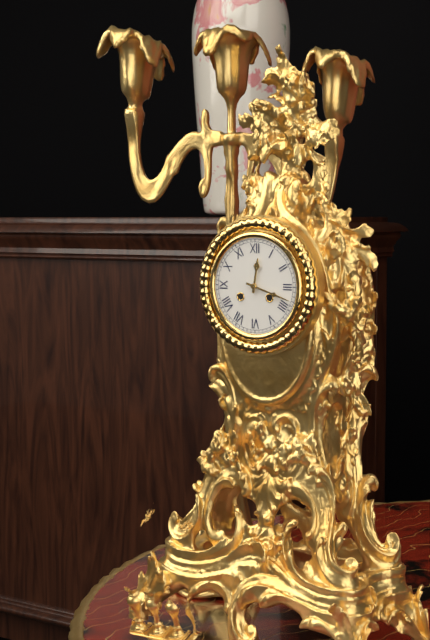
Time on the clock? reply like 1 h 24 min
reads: 12 h 18 min
